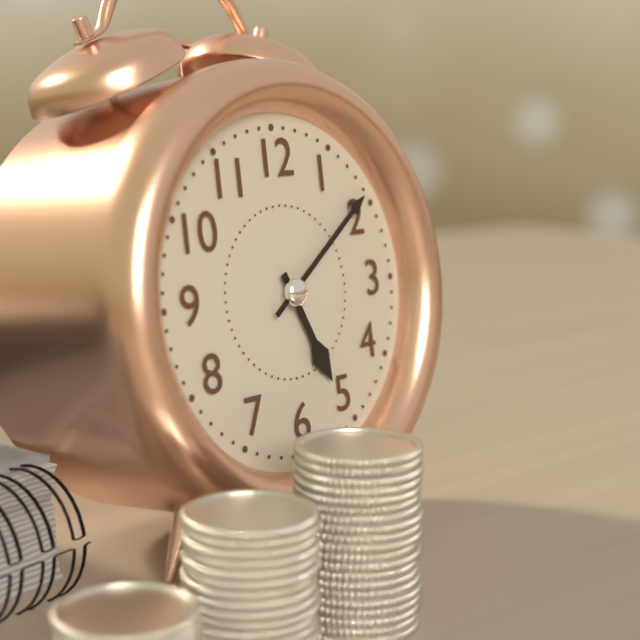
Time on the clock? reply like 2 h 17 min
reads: 5 h 09 min
